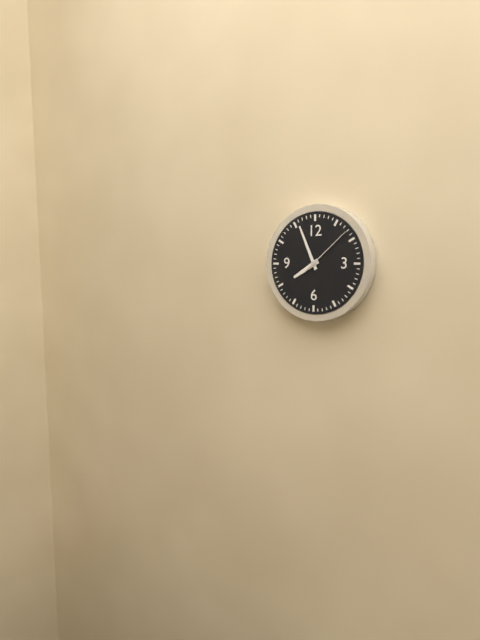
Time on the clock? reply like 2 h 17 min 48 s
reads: 7 h 56 min 08 s
